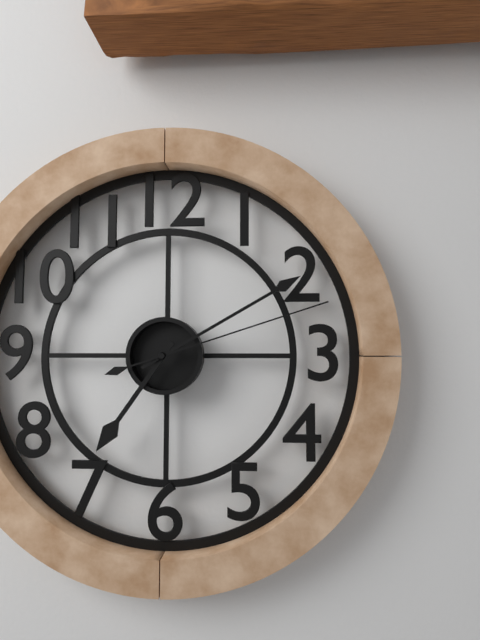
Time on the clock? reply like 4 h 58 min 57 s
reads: 7 h 10 min 12 s
